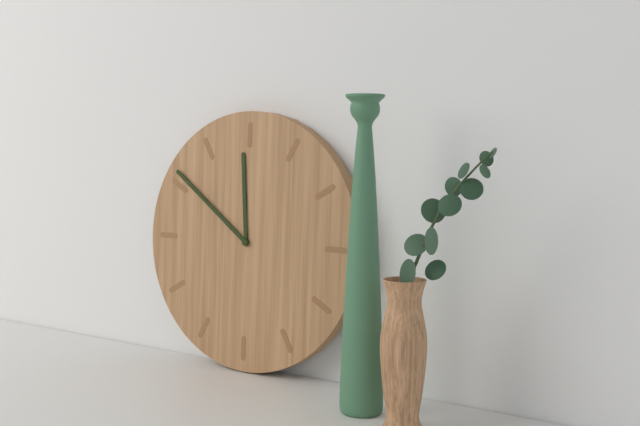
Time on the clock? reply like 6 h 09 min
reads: 11 h 51 min
